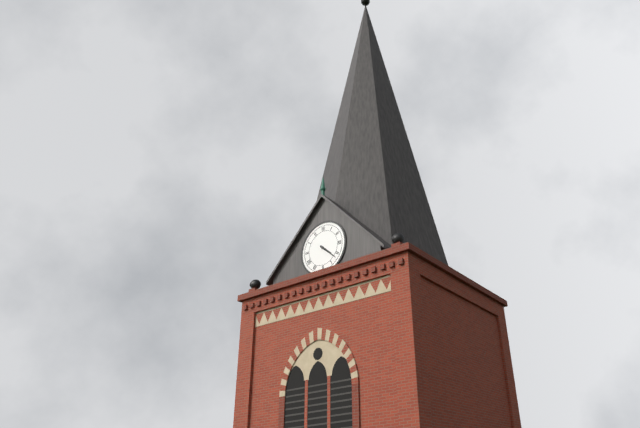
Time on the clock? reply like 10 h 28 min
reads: 4 h 22 min
